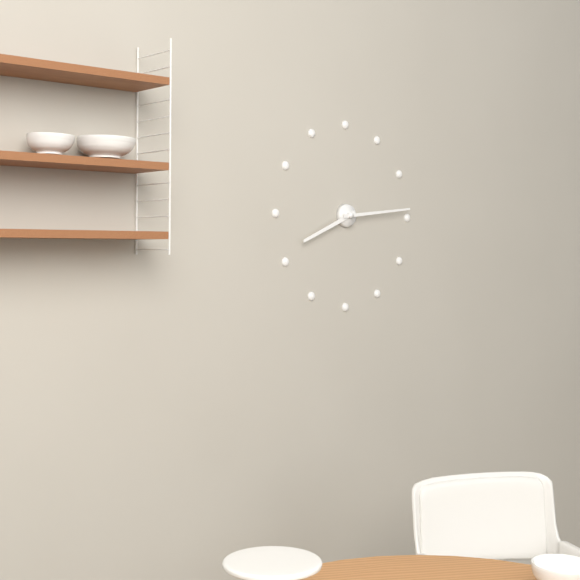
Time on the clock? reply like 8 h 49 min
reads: 8 h 14 min
